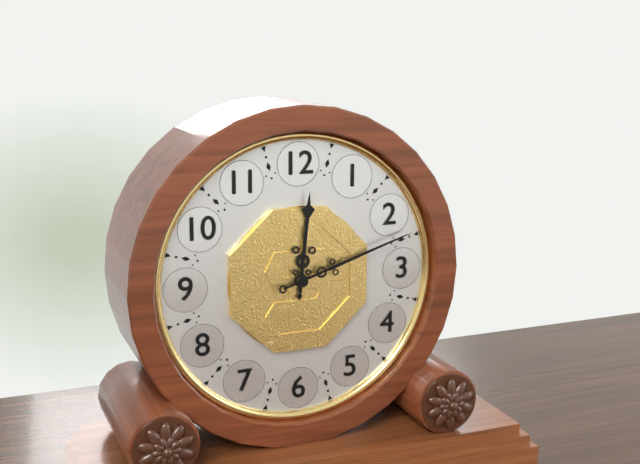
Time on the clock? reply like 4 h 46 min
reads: 12 h 12 min
